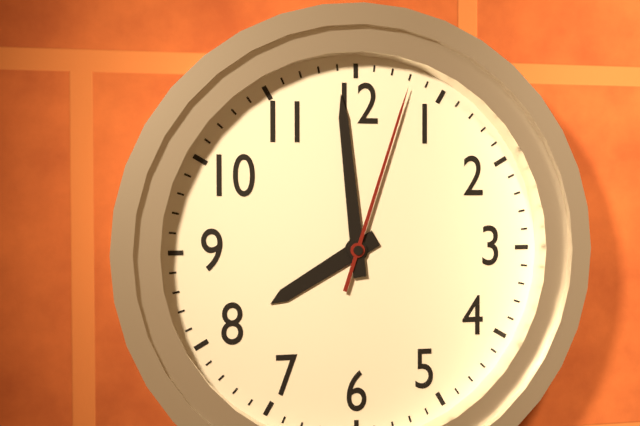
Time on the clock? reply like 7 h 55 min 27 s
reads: 7 h 59 min 03 s
